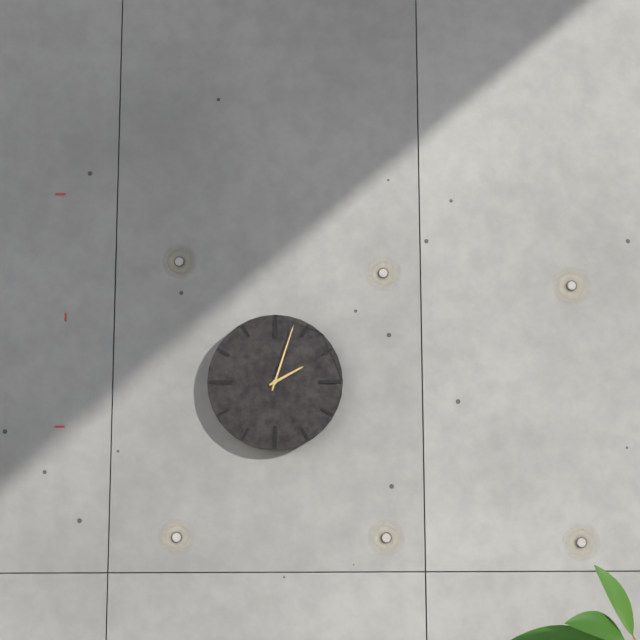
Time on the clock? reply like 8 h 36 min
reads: 2 h 03 min
